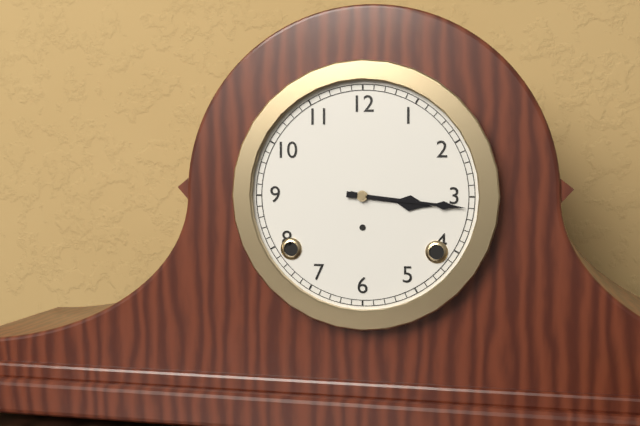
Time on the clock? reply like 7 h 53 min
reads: 3 h 16 min
